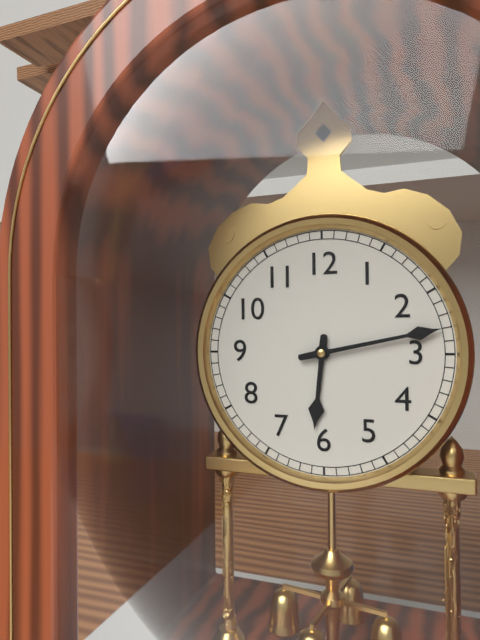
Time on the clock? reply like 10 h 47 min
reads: 6 h 13 min
